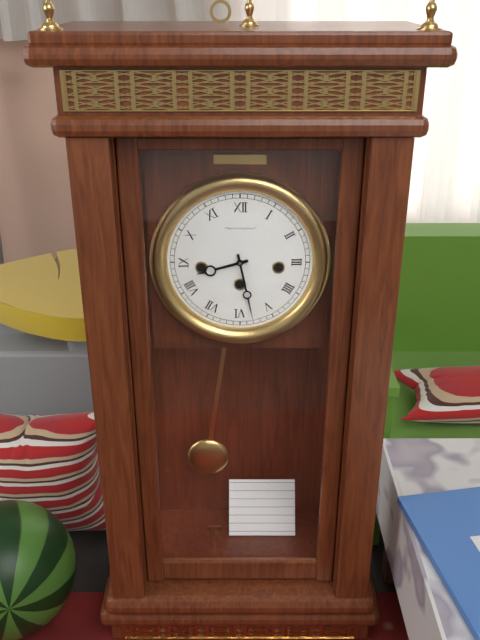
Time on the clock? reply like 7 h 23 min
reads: 8 h 28 min
